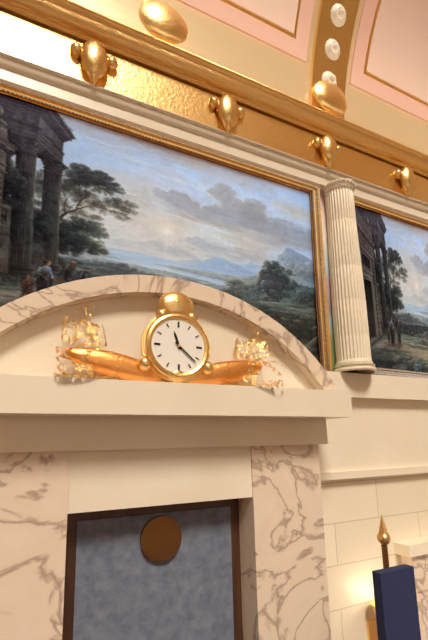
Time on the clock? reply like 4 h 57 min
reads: 11 h 22 min
